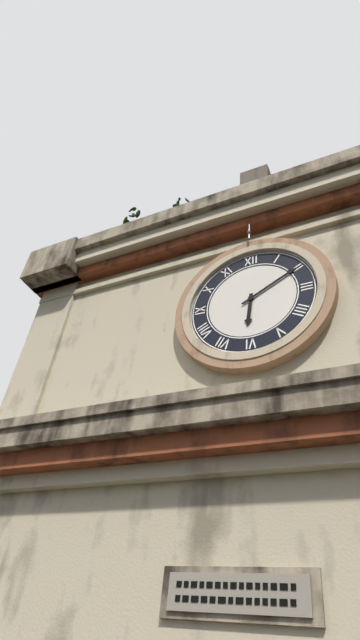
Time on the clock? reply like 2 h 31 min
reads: 6 h 10 min
